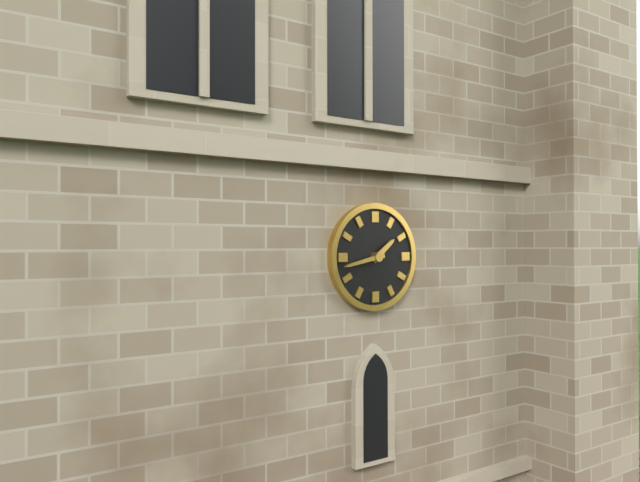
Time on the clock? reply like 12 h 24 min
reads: 1 h 43 min
